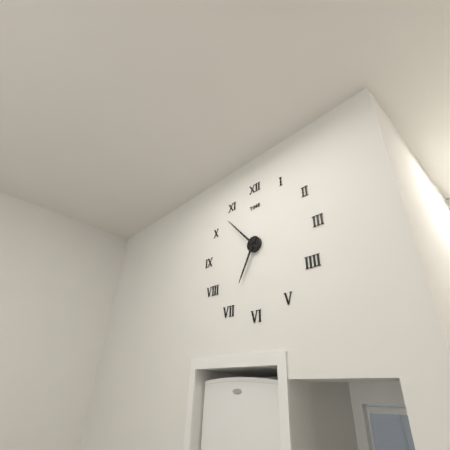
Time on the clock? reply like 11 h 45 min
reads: 6 h 53 min
